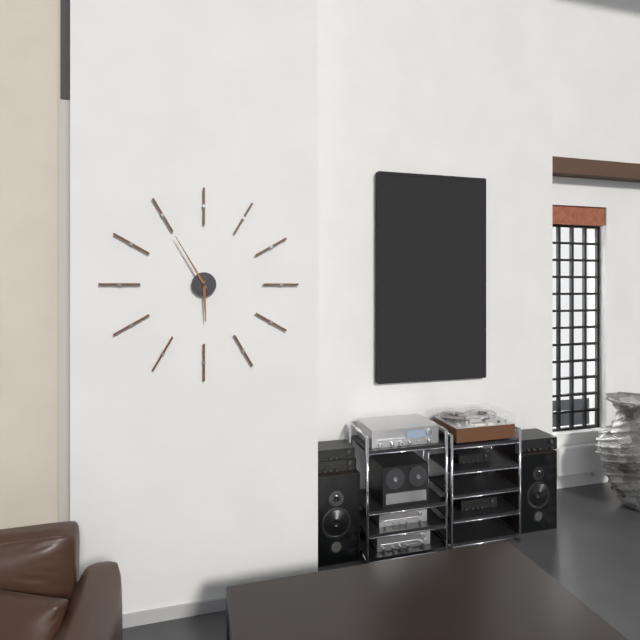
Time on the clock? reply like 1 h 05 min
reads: 5 h 55 min
